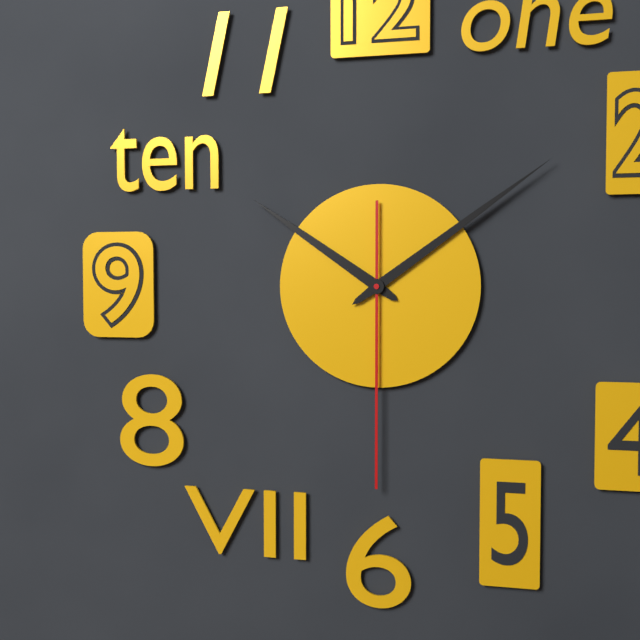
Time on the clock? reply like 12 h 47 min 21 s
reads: 10 h 09 min 30 s
